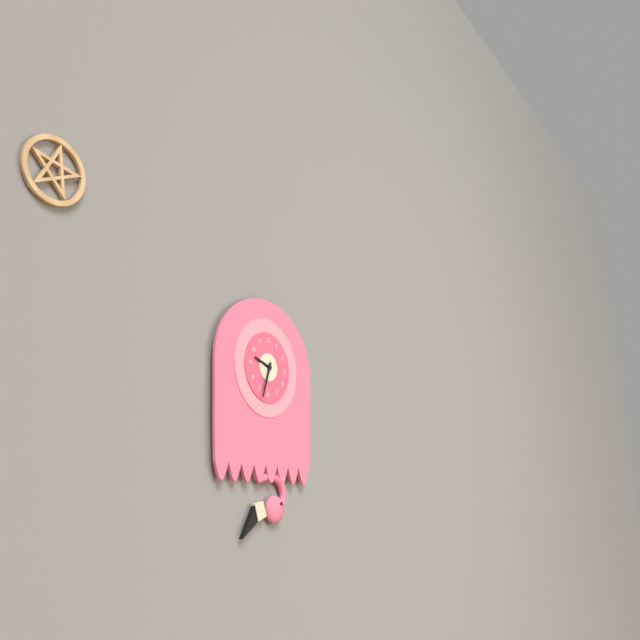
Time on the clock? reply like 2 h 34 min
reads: 9 h 33 min
